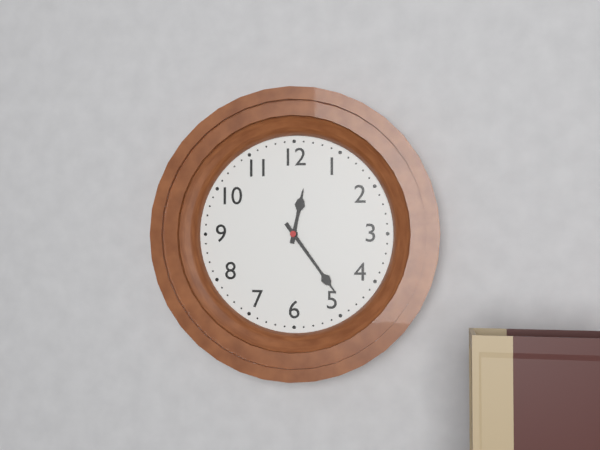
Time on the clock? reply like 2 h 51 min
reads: 12 h 24 min
